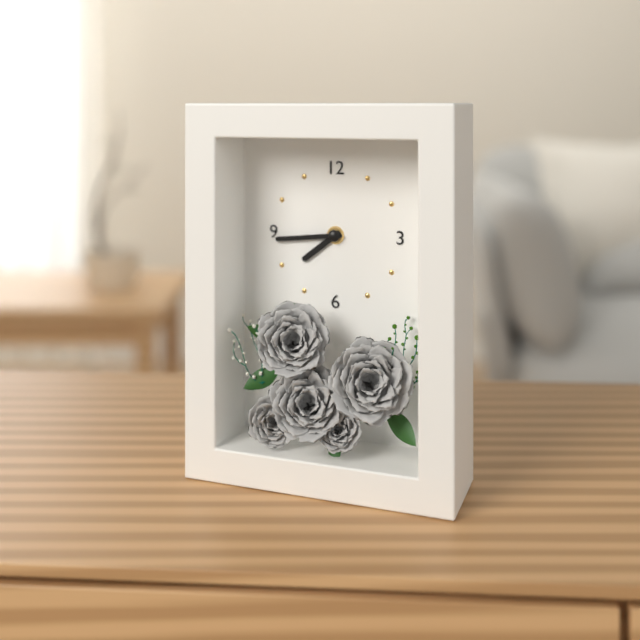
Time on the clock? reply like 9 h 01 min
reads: 7 h 44 min
